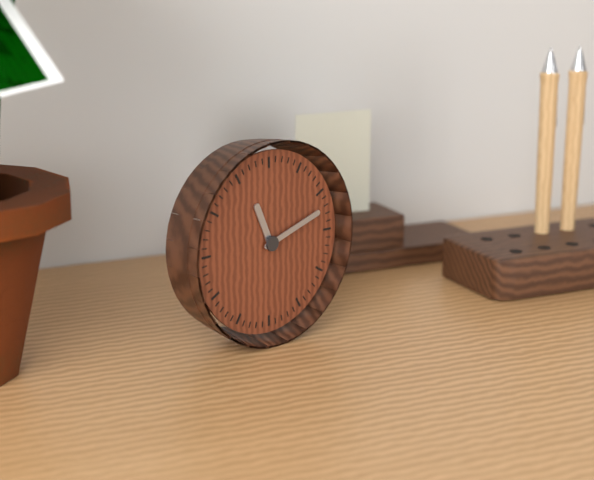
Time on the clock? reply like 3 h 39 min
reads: 11 h 12 min
